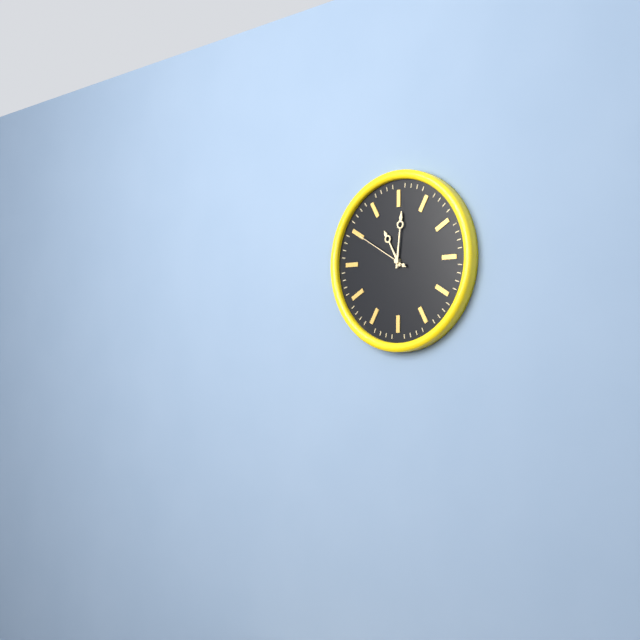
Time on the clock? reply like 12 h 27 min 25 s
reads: 11 h 01 min 50 s
